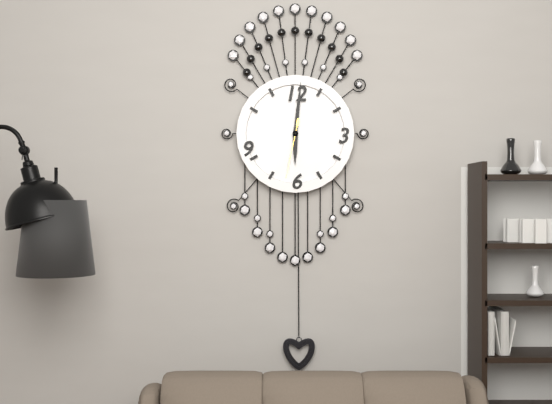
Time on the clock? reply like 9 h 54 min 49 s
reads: 6 h 01 min 32 s
